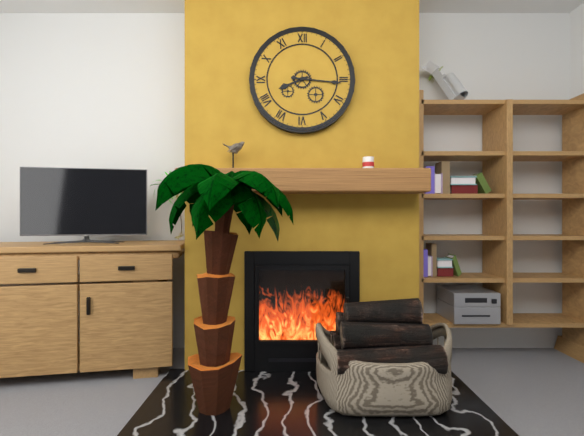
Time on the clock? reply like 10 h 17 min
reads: 8 h 16 min
